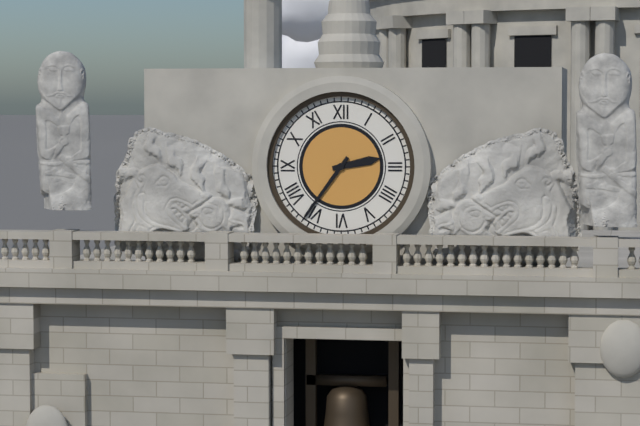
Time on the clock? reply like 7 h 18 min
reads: 2 h 36 min
